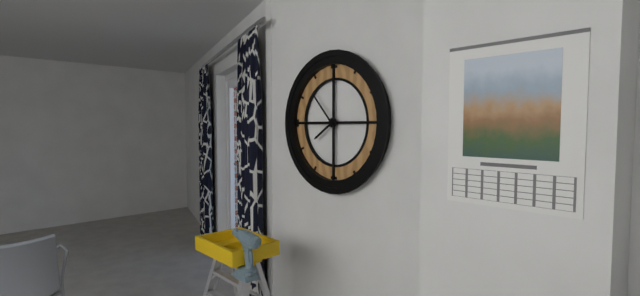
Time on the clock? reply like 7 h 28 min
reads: 7 h 53 min
